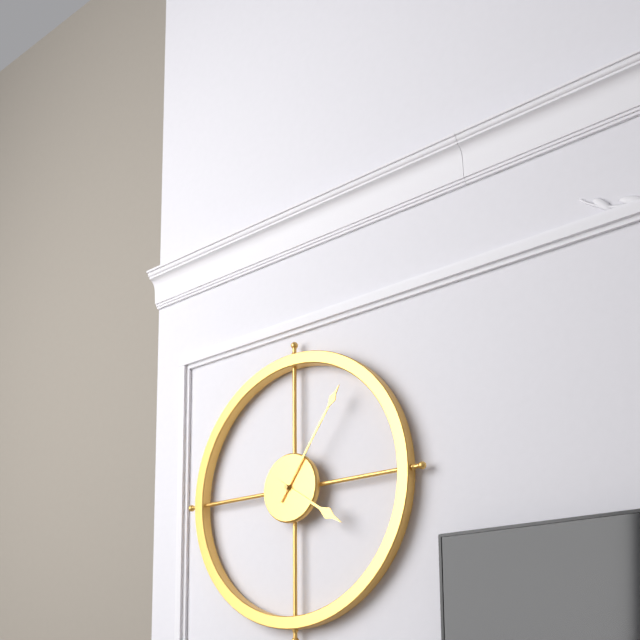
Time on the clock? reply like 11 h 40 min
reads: 4 h 06 min
